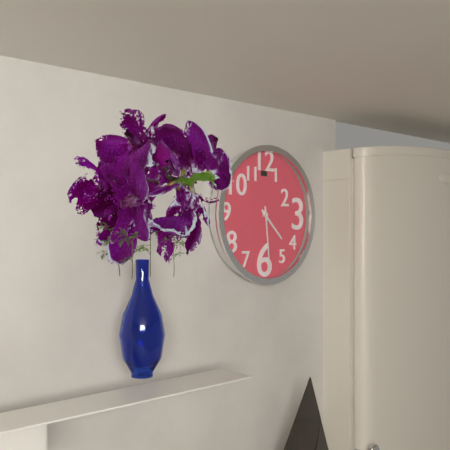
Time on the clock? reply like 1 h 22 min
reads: 4 h 29 min
